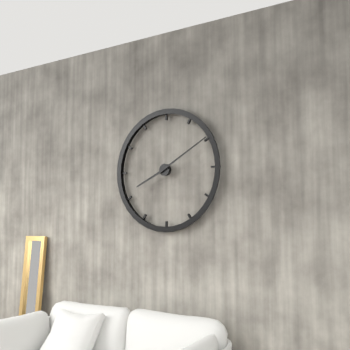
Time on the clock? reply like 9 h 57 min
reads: 8 h 10 min
